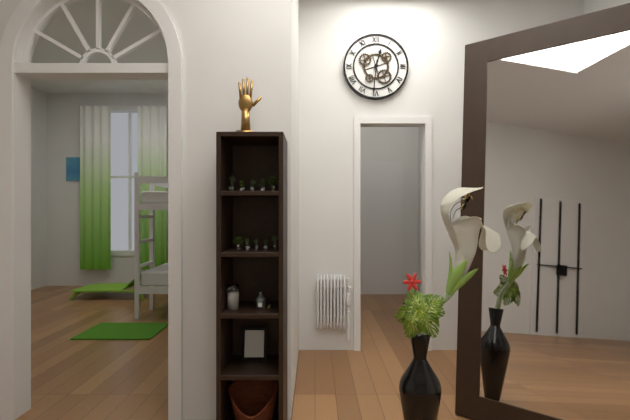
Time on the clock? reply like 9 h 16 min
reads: 12 h 31 min
